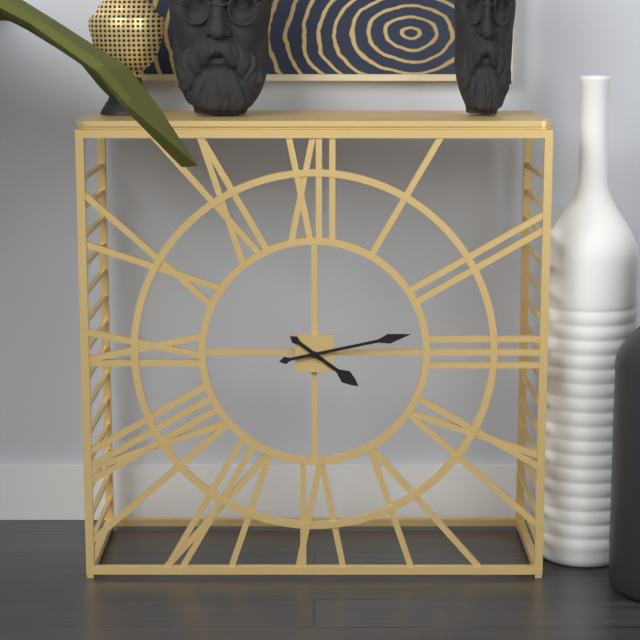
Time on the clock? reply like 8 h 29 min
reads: 4 h 13 min
